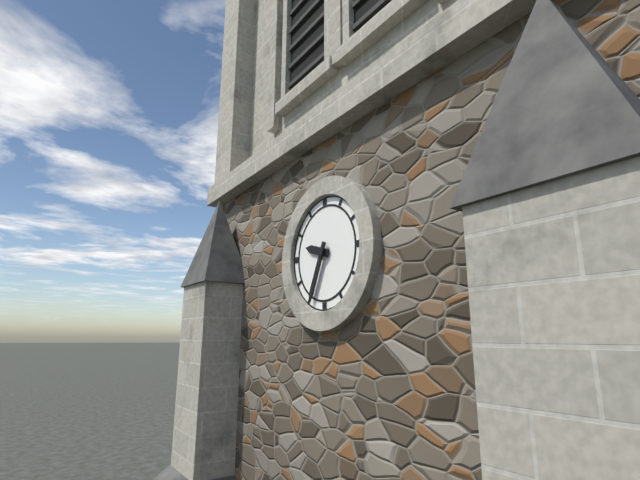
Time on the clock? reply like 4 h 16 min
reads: 9 h 34 min
